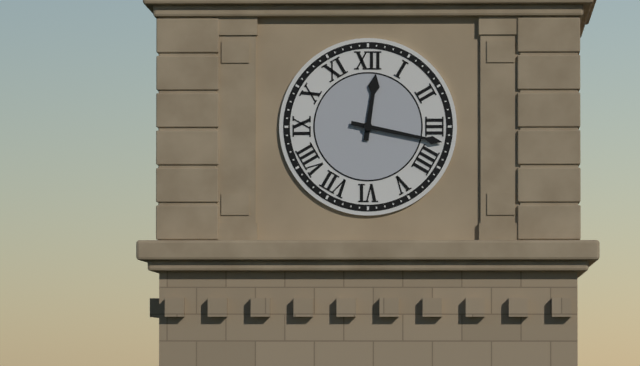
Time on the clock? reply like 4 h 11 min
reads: 12 h 17 min
